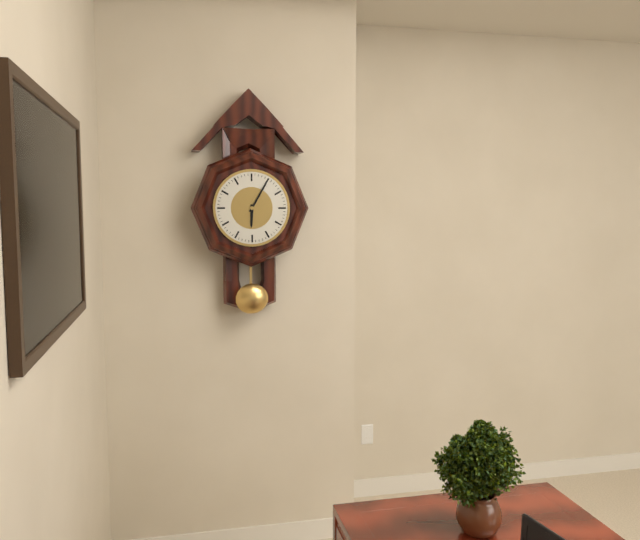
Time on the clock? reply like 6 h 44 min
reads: 6 h 05 min
